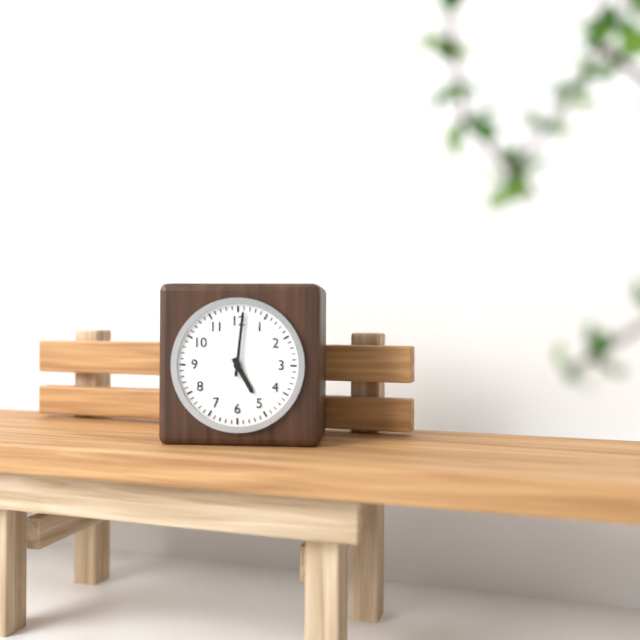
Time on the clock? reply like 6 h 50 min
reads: 5 h 01 min
